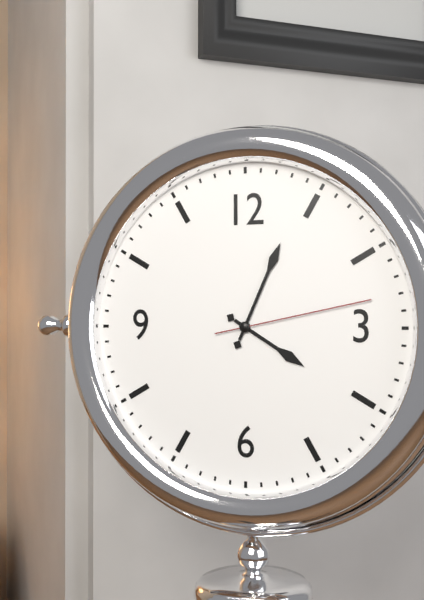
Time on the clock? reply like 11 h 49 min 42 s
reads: 4 h 04 min 13 s
